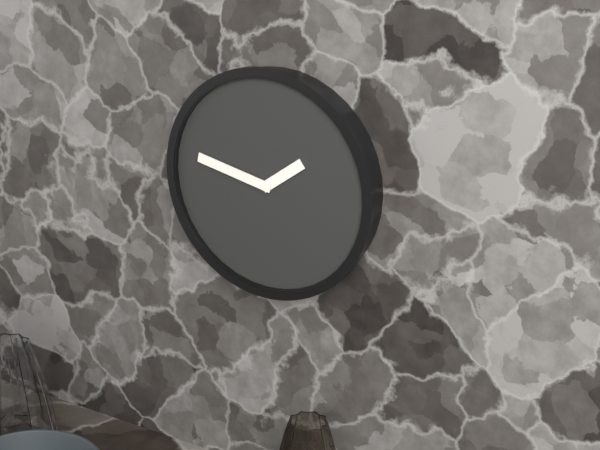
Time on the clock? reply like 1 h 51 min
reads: 1 h 47 min
